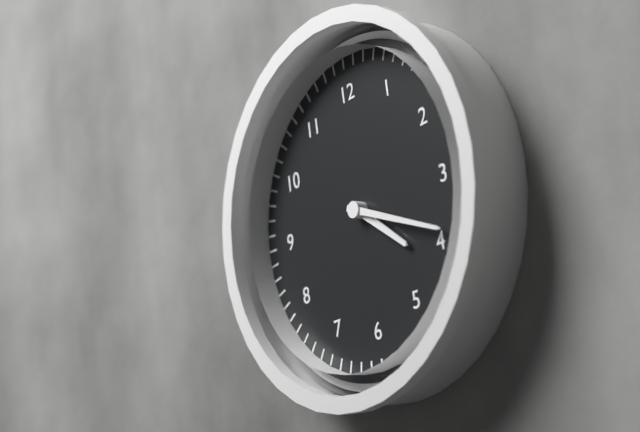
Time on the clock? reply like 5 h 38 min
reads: 4 h 19 min
